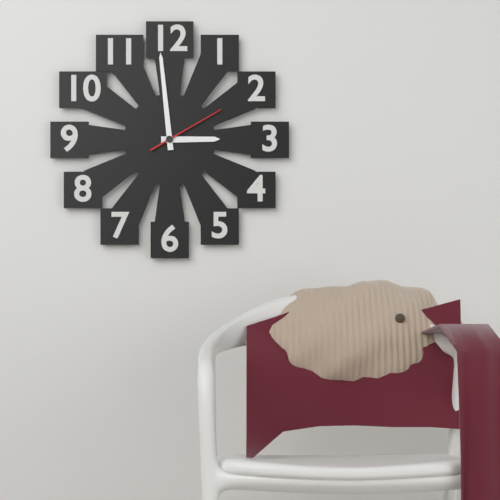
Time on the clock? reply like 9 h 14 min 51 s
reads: 2 h 59 min 10 s
